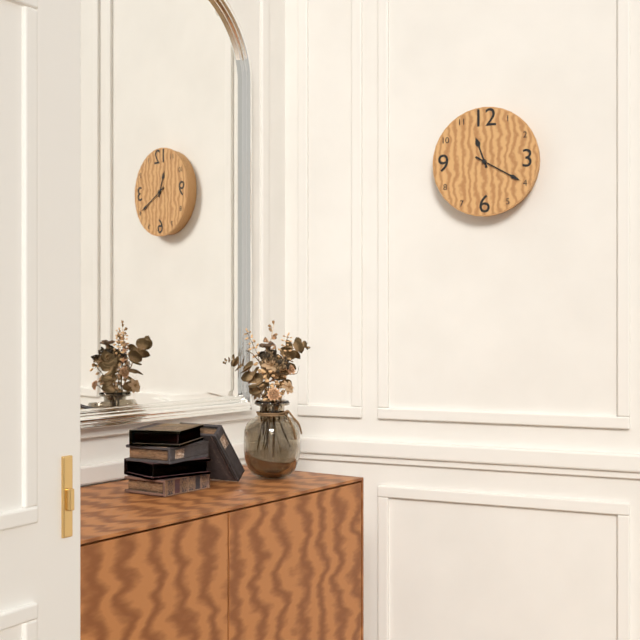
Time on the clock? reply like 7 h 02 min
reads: 11 h 20 min
